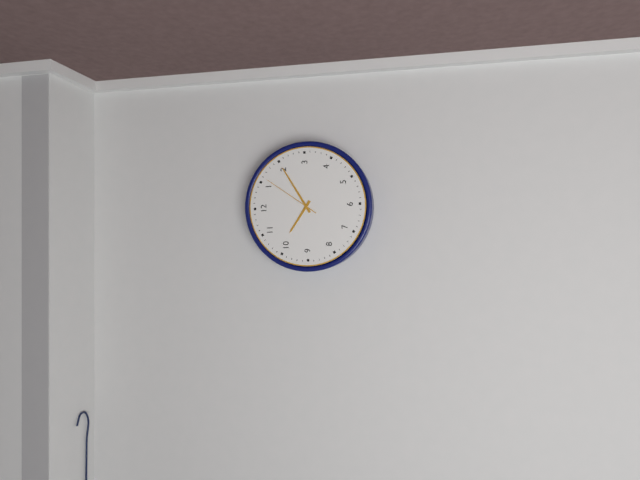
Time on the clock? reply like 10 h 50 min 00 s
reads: 10 h 10 min 06 s
